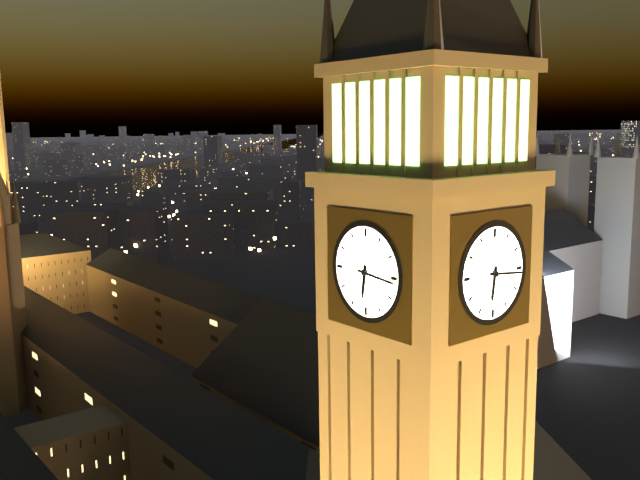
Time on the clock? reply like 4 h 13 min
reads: 6 h 16 min
